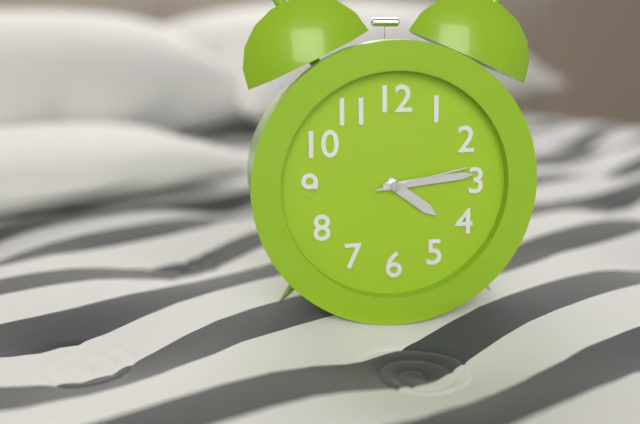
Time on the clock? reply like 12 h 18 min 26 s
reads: 4 h 14 min 13 s
